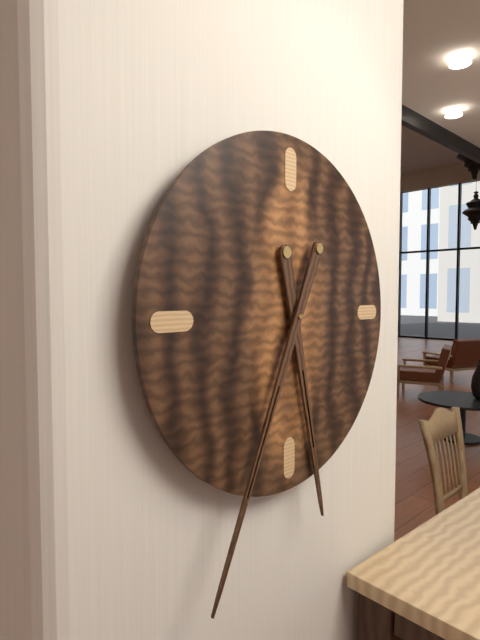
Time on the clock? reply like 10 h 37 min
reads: 5 h 34 min
